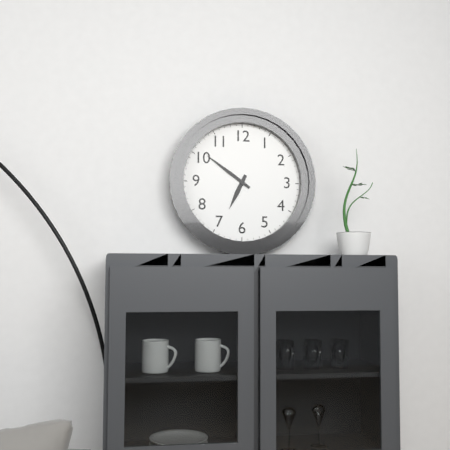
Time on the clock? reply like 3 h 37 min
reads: 6 h 51 min
